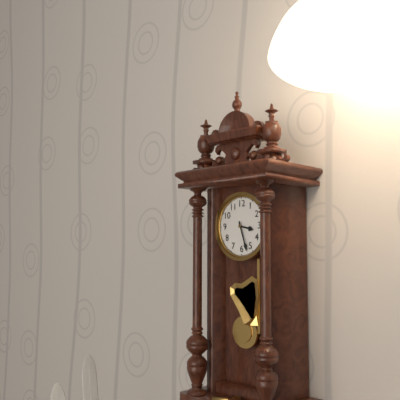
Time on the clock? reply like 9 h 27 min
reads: 3 h 27 min
